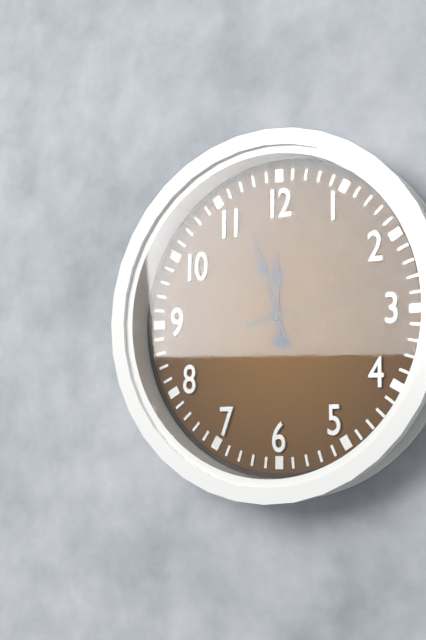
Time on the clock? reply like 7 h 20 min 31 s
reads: 11 h 57 min 13 s
